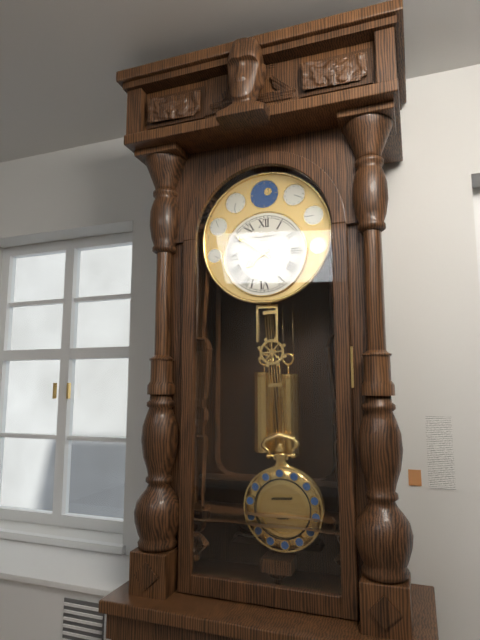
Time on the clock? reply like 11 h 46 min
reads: 7 h 51 min
